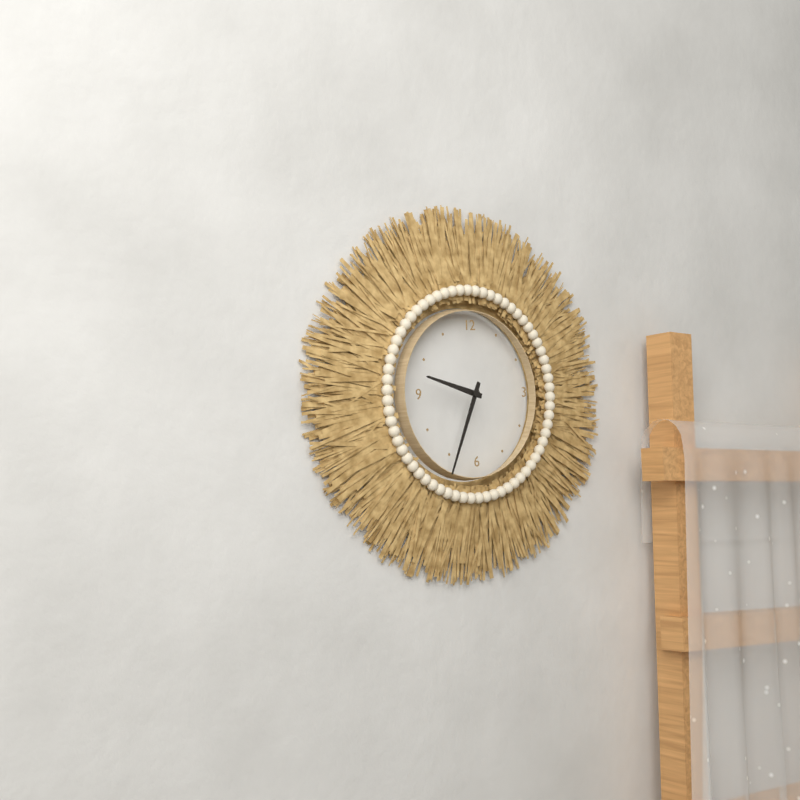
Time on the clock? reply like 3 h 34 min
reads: 9 h 34 min
